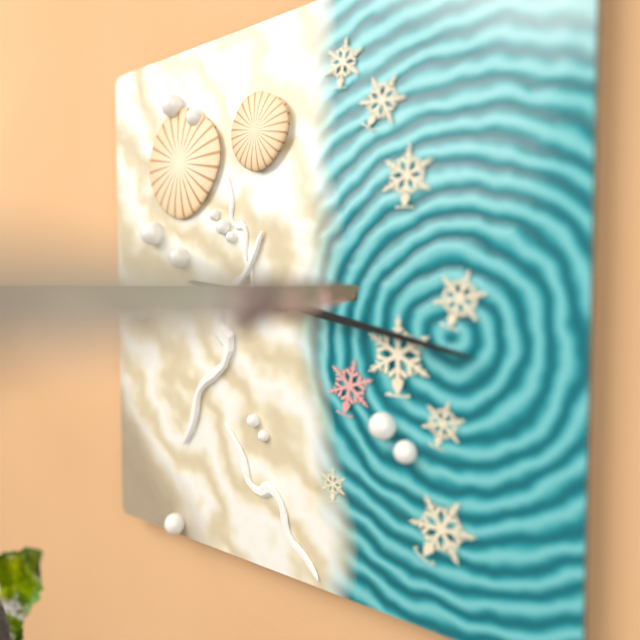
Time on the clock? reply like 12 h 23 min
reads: 9 h 17 min
